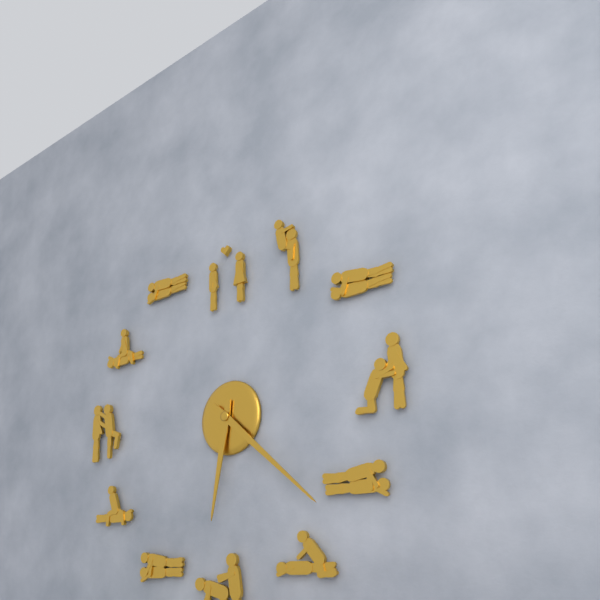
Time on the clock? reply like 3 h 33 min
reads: 6 h 22 min
